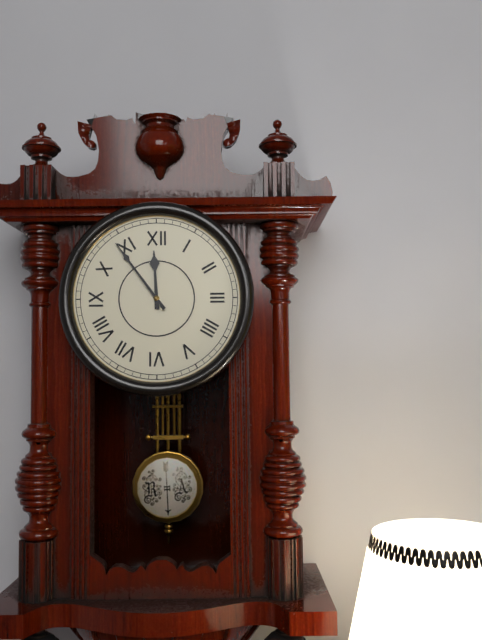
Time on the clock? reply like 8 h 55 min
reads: 11 h 54 min
